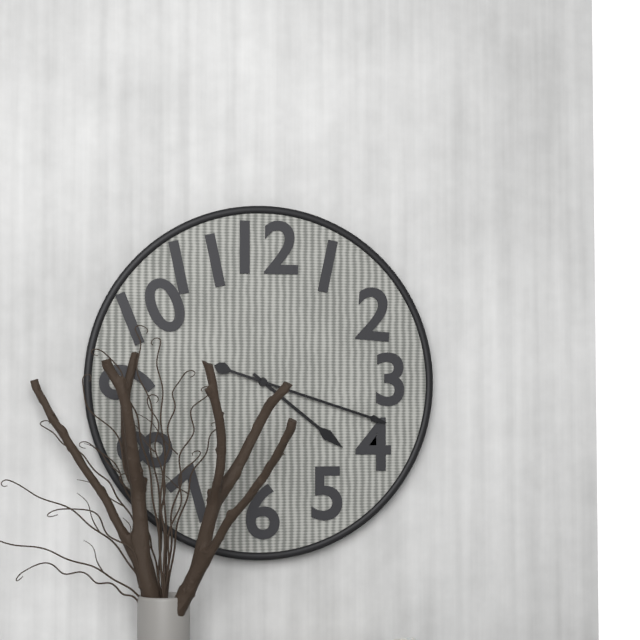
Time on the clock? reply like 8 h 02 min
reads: 4 h 18 min
